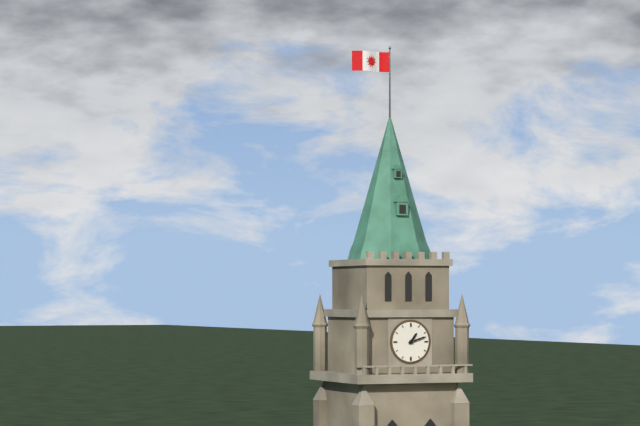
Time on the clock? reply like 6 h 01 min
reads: 1 h 12 min
